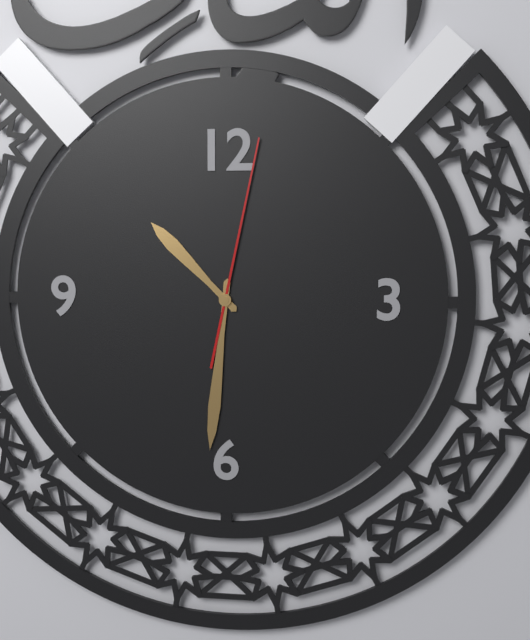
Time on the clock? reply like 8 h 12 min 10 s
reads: 10 h 31 min 02 s
